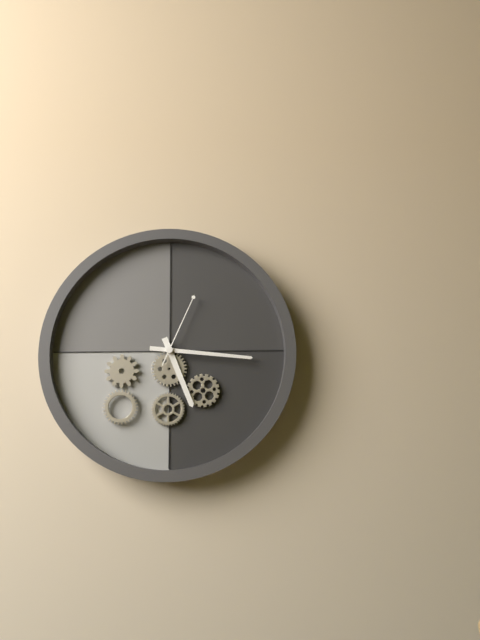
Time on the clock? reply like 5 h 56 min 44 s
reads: 5 h 16 min 04 s
